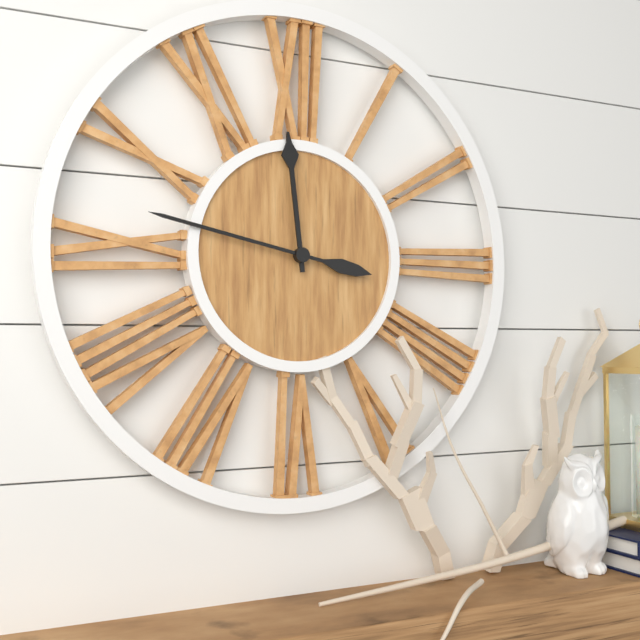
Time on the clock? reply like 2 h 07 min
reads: 11 h 47 min
